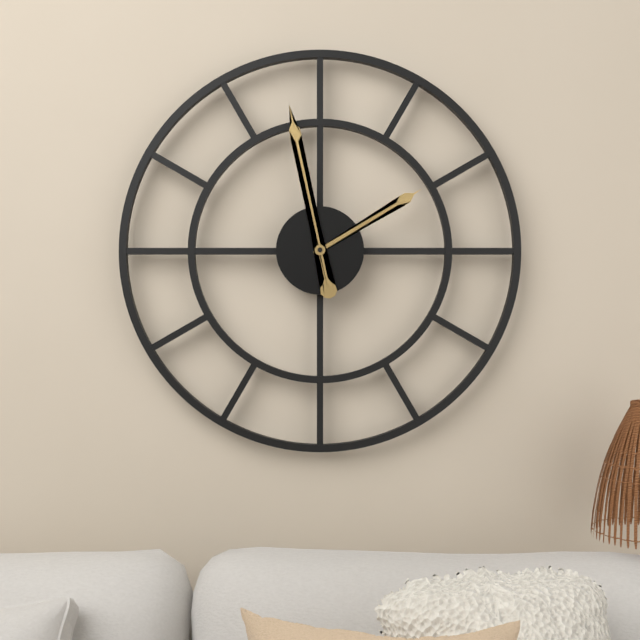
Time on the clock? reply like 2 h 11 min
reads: 1 h 58 min
